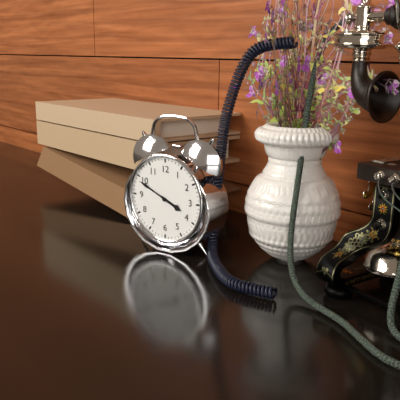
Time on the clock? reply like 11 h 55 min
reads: 3 h 49 min
